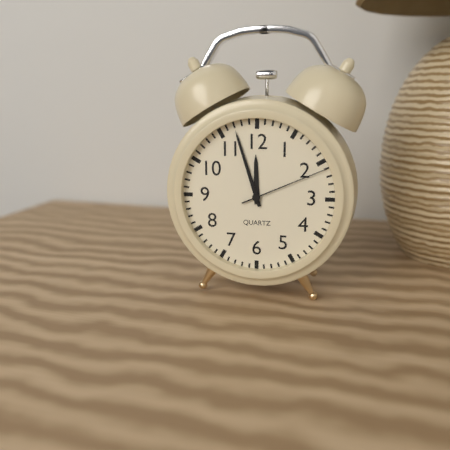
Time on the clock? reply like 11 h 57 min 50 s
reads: 11 h 57 min 11 s
